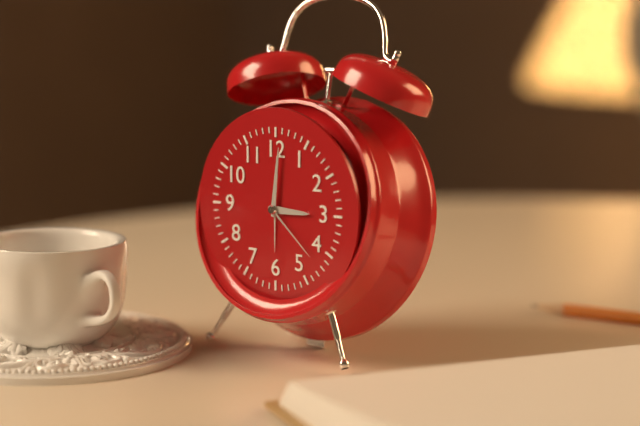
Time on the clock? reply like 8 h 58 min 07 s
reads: 3 h 01 min 22 s
